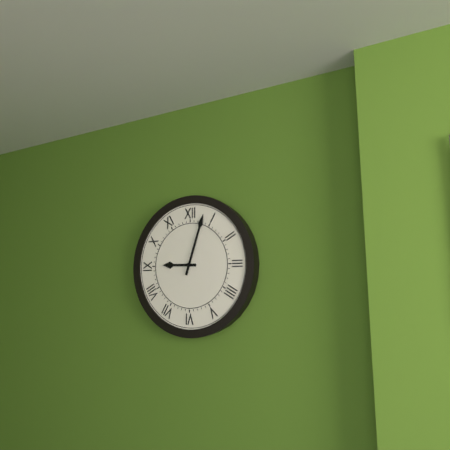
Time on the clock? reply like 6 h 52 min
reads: 9 h 03 min
